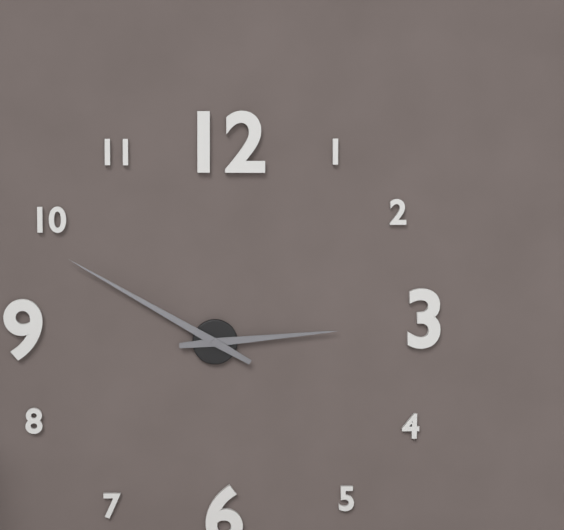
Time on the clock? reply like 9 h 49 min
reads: 2 h 50 min
